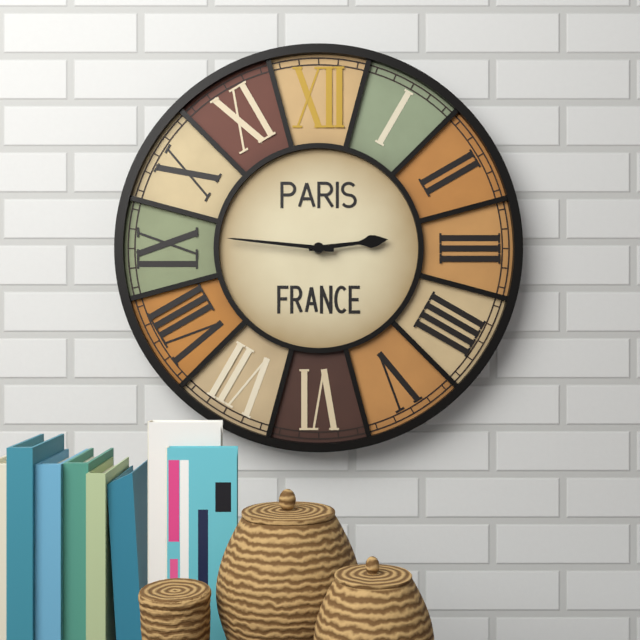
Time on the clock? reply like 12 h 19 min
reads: 2 h 46 min
